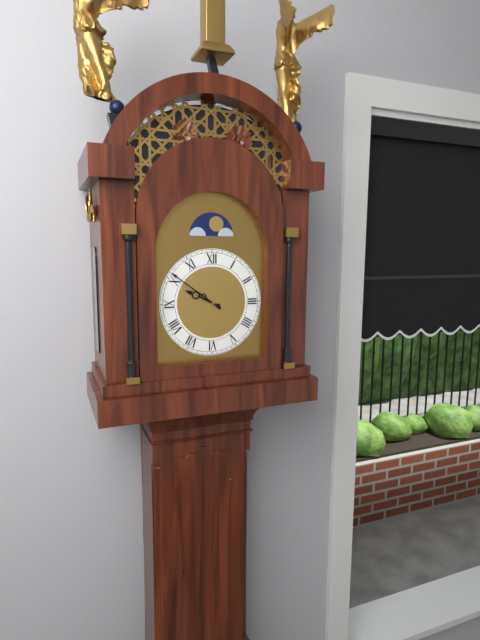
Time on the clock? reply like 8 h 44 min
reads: 9 h 51 min
